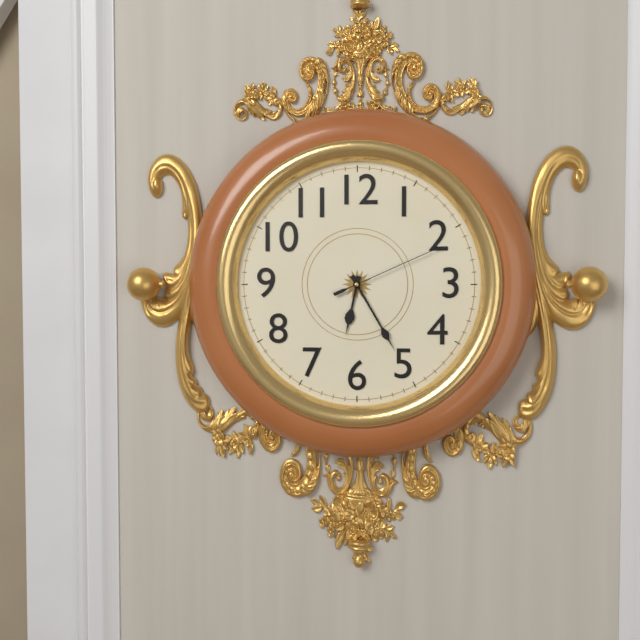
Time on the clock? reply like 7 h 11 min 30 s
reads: 6 h 25 min 11 s
